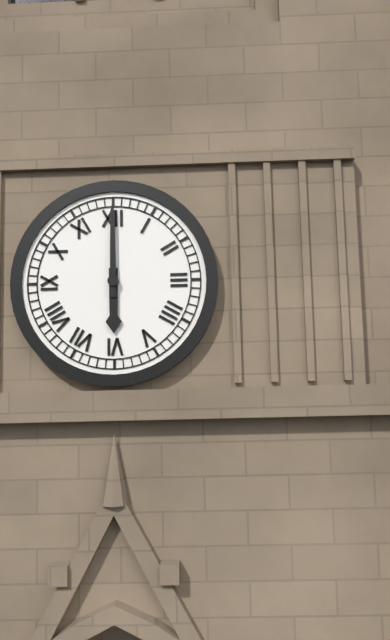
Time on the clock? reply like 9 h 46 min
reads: 6 h 00 min
